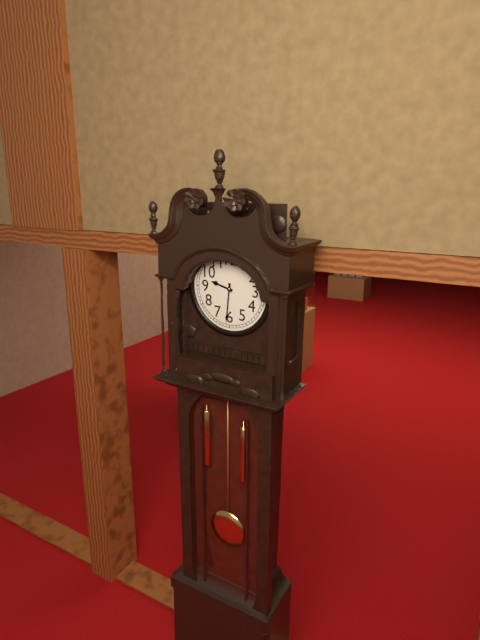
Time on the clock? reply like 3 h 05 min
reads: 9 h 31 min
